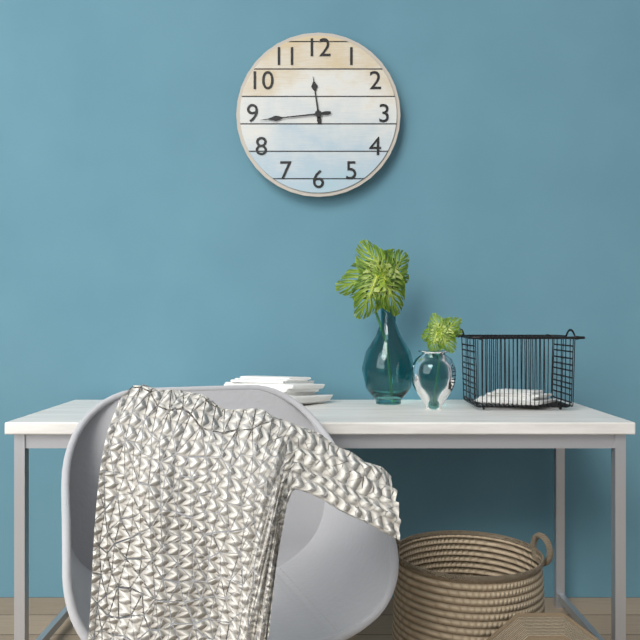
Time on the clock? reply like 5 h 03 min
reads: 11 h 44 min
